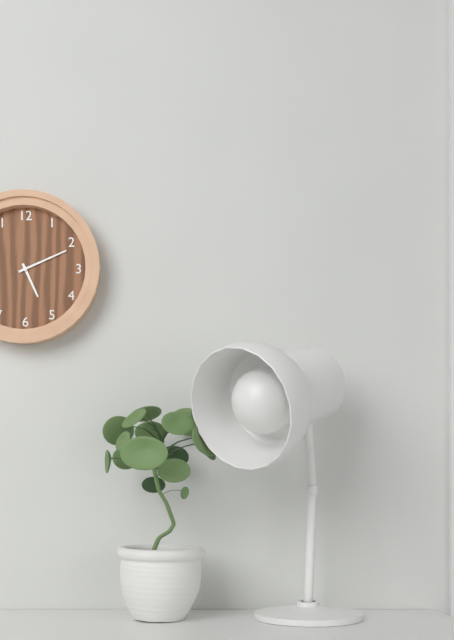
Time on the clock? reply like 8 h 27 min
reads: 5 h 11 min
